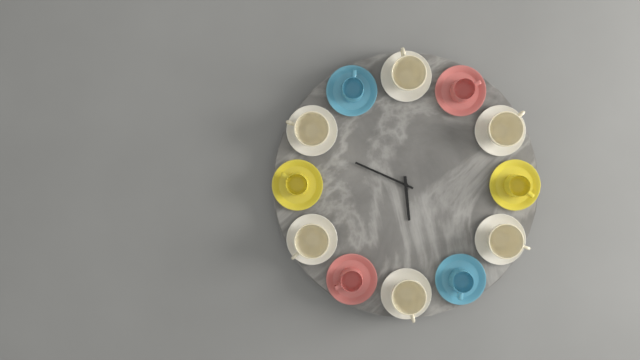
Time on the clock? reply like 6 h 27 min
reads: 5 h 49 min
